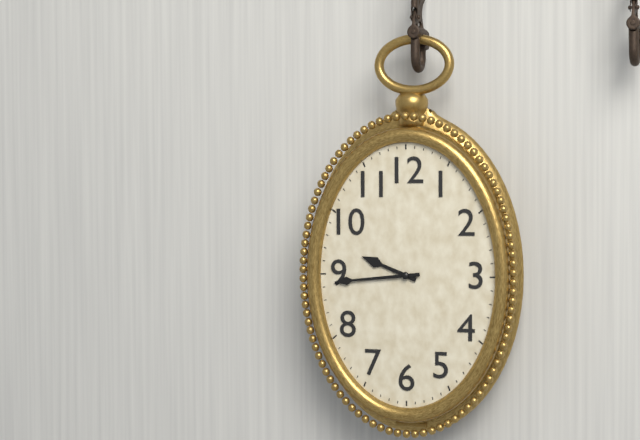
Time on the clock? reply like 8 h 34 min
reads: 9 h 44 min
